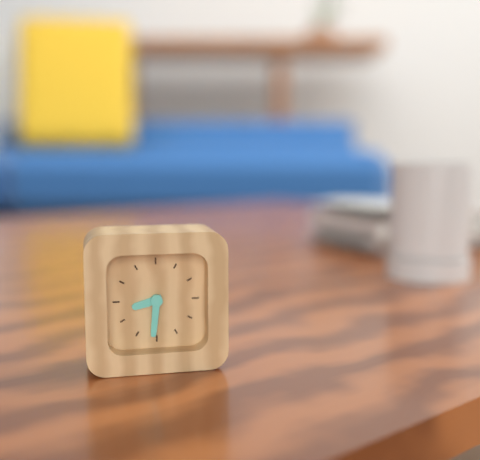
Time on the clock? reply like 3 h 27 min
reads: 8 h 31 min
